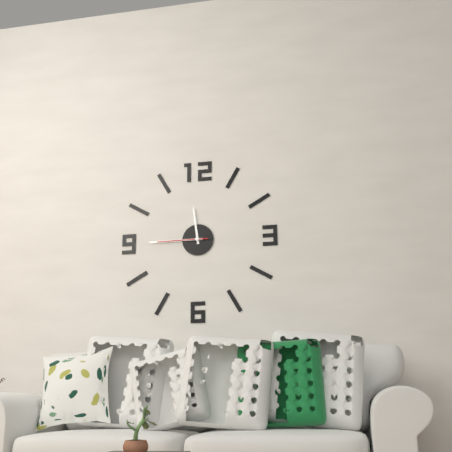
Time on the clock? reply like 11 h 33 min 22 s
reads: 11 h 45 min 45 s
